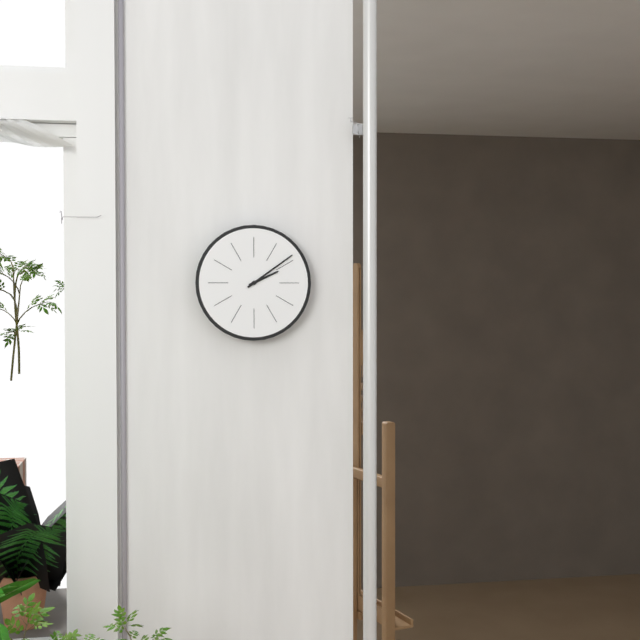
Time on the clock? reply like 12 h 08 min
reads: 2 h 09 min
